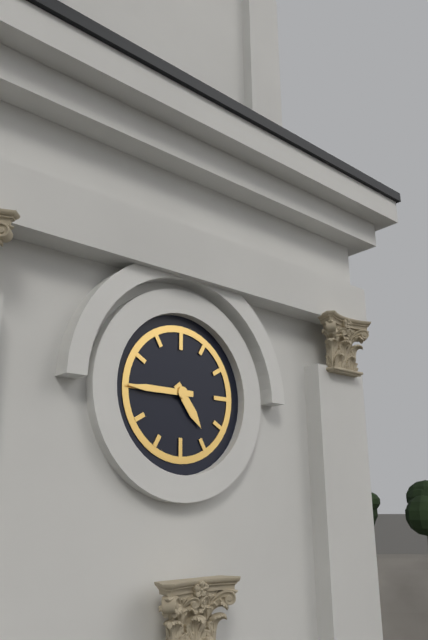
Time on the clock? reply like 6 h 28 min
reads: 4 h 45 min
